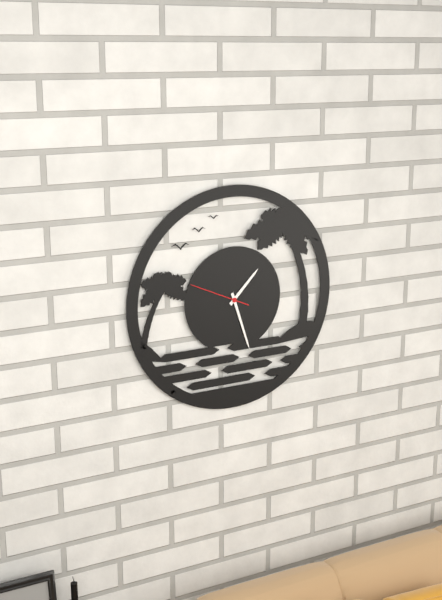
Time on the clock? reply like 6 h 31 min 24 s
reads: 1 h 27 min 49 s
